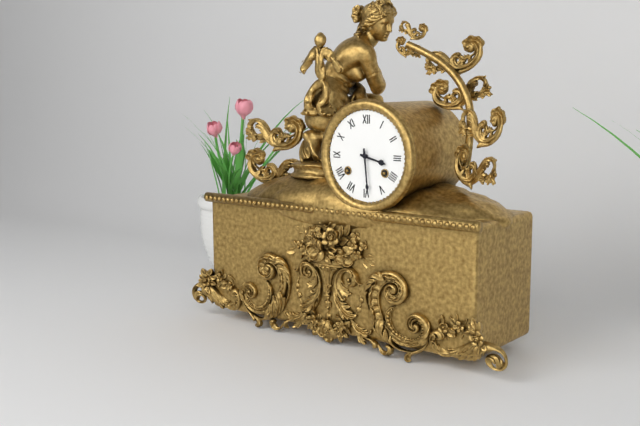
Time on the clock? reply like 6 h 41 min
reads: 3 h 29 min
